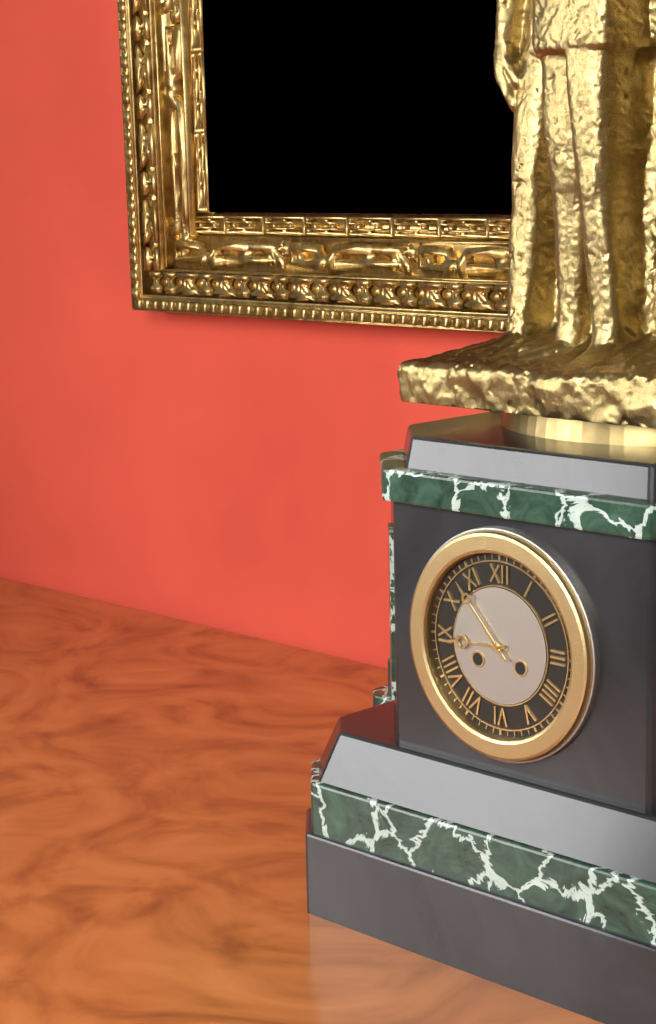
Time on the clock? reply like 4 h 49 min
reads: 8 h 53 min
